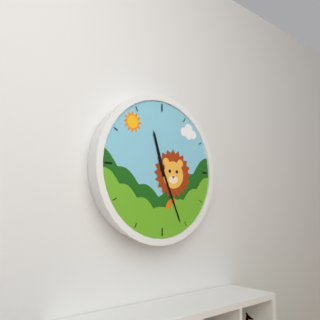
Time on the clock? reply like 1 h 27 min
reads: 11 h 26 min
